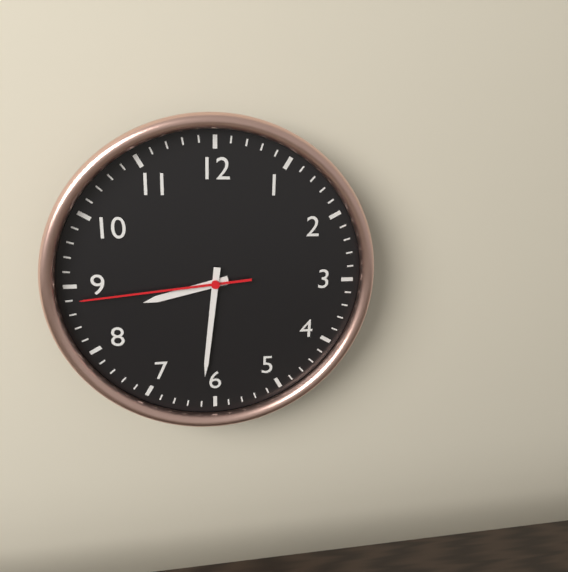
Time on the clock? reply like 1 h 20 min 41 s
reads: 8 h 31 min 44 s
